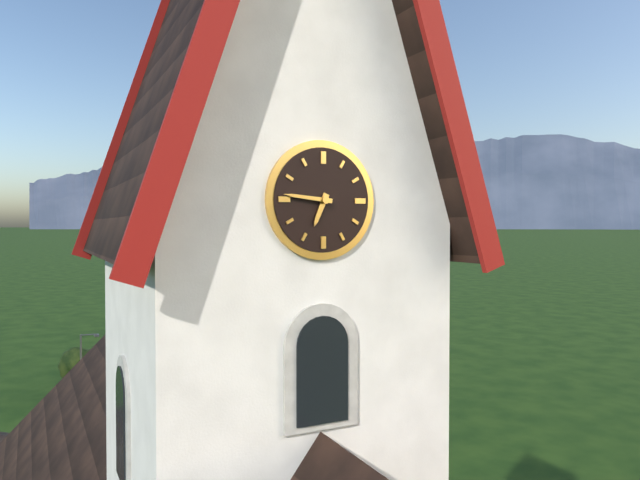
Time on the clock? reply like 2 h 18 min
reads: 6 h 46 min
